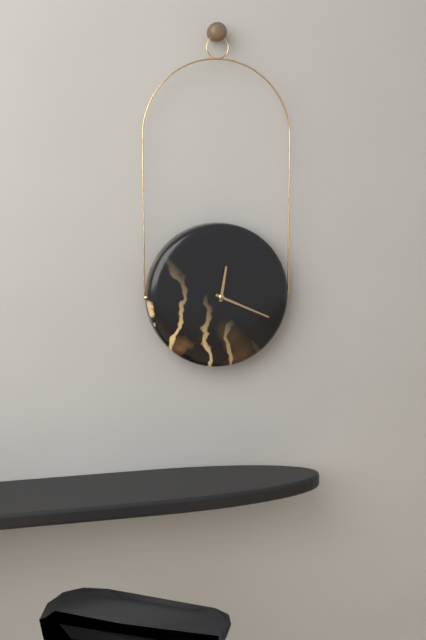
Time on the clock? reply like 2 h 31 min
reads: 12 h 19 min
